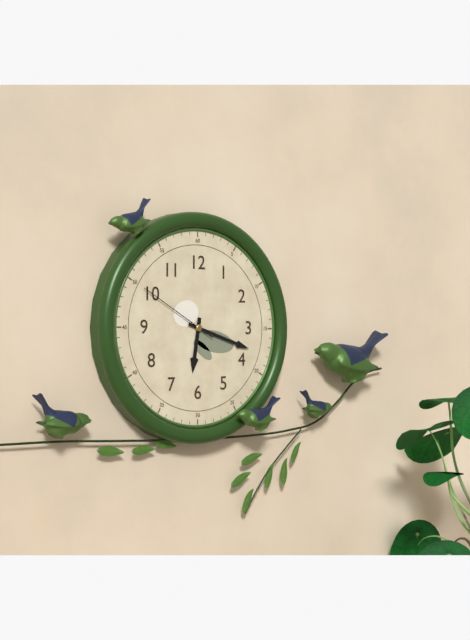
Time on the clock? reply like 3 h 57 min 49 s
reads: 6 h 18 min 50 s
